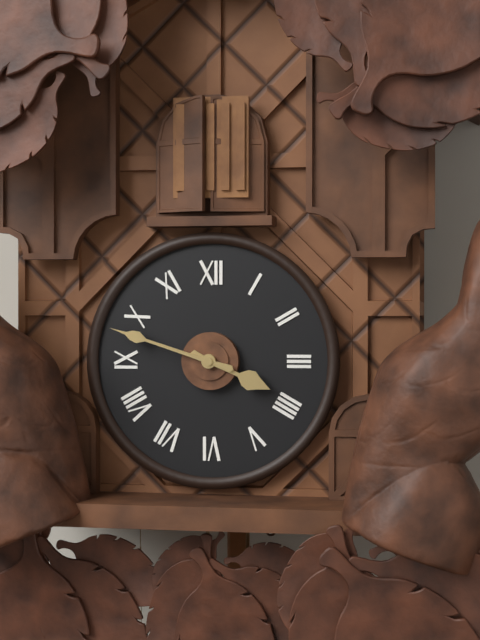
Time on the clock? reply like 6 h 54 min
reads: 3 h 48 min
